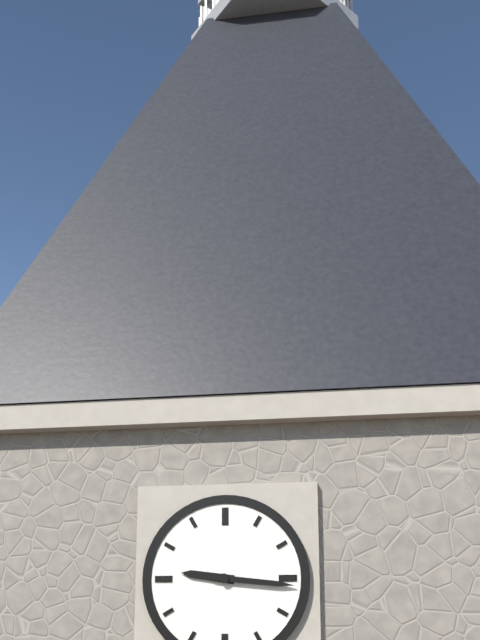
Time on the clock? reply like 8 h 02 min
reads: 9 h 16 min
